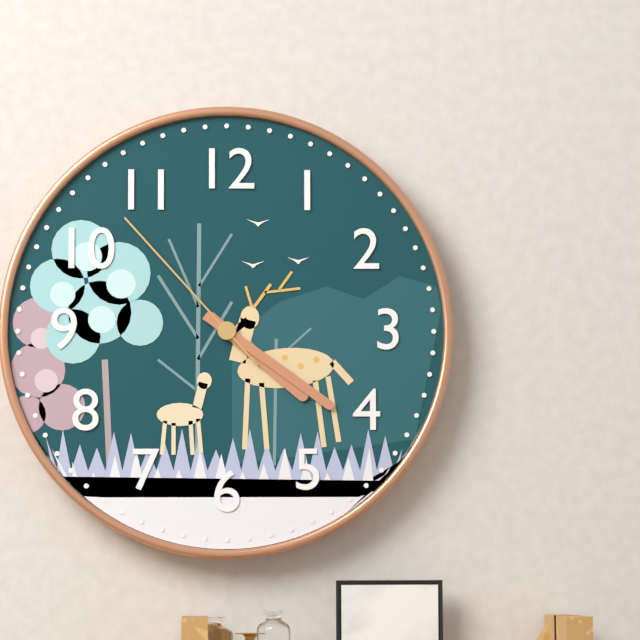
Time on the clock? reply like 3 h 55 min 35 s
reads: 4 h 21 min 53 s
